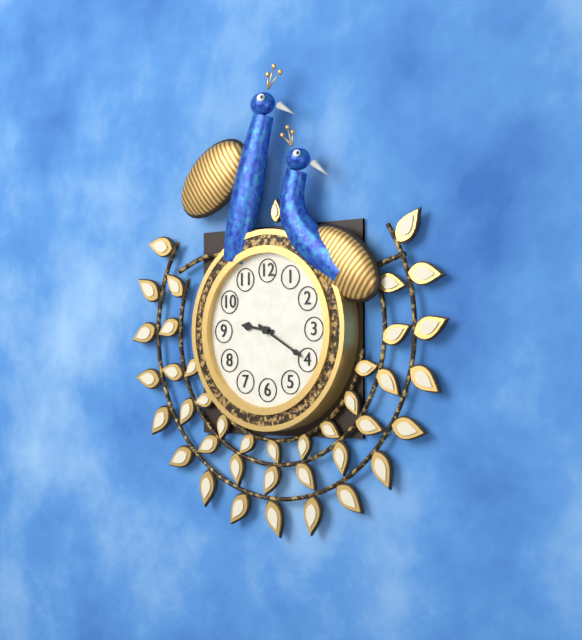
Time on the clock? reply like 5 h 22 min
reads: 9 h 20 min
